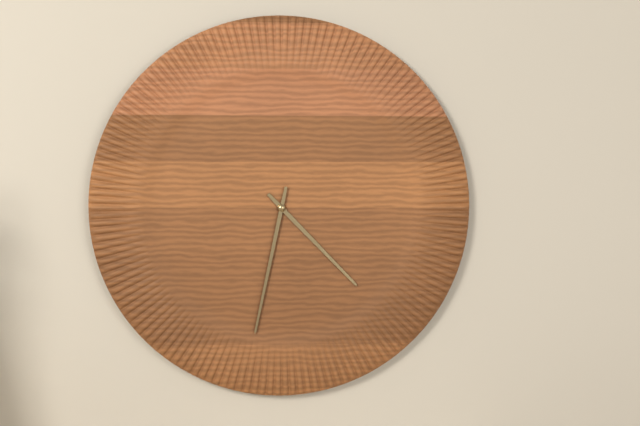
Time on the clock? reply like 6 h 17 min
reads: 4 h 32 min
